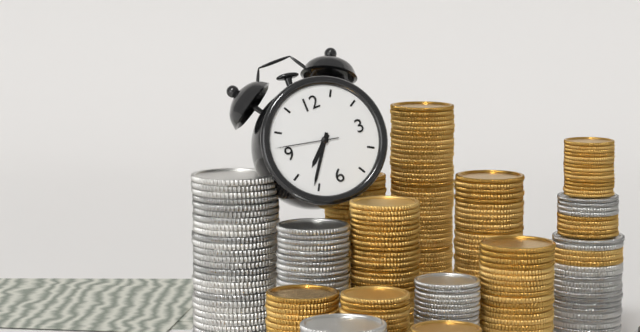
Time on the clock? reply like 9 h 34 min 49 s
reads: 7 h 36 min 47 s
